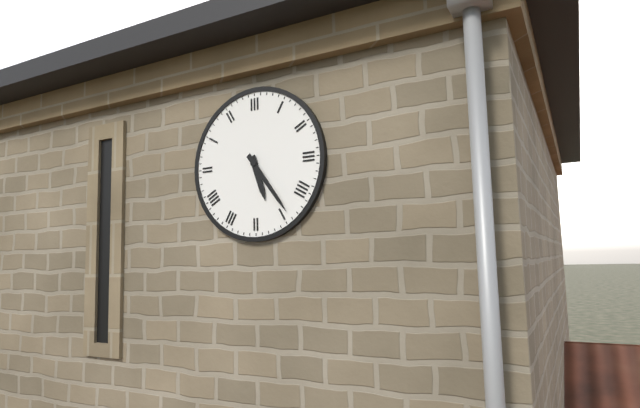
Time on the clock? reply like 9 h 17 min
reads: 5 h 24 min
